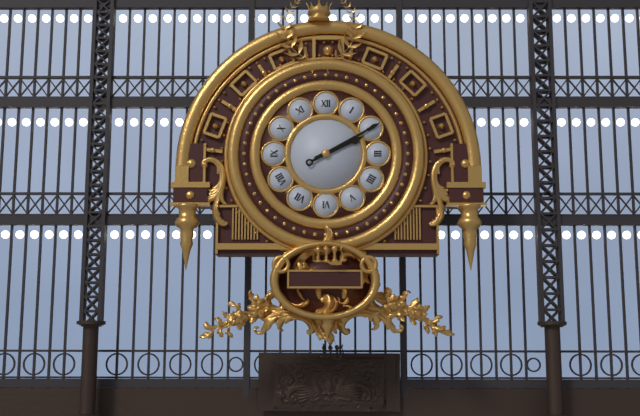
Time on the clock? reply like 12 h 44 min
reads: 2 h 10 min
